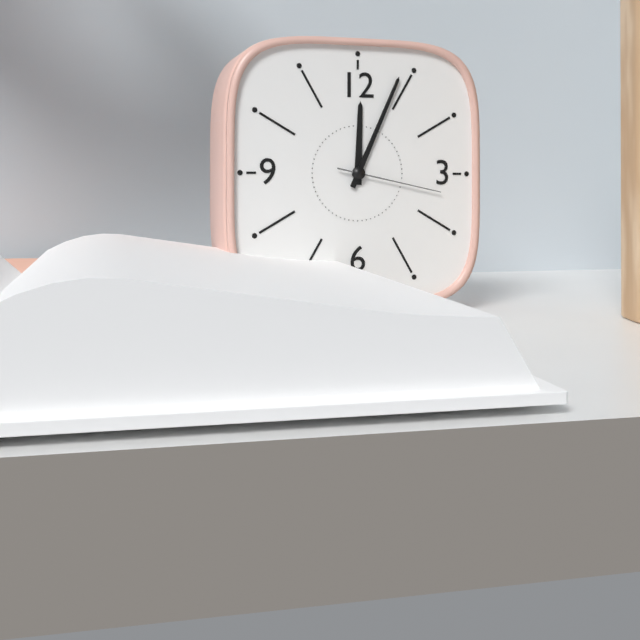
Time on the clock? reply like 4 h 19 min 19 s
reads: 12 h 04 min 17 s
